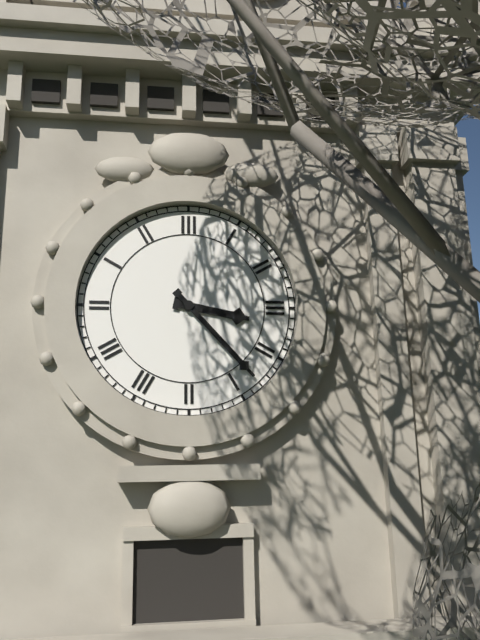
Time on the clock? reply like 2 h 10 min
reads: 3 h 23 min
